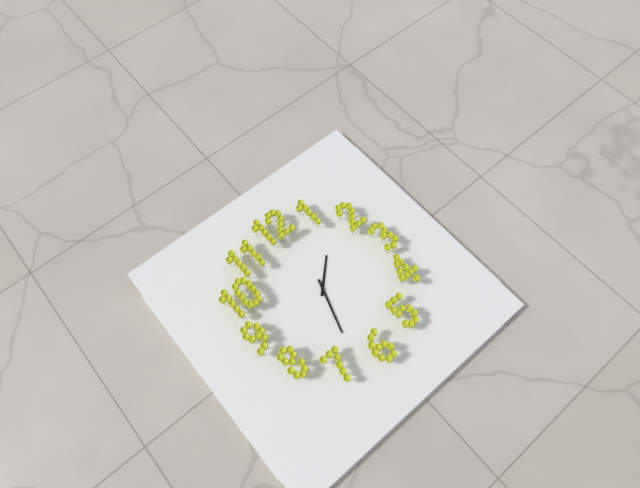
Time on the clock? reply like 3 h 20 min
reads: 1 h 33 min
